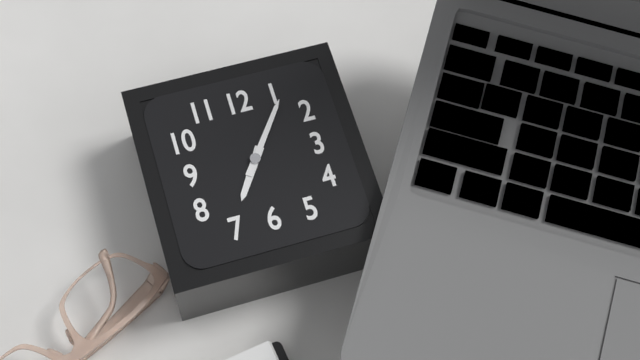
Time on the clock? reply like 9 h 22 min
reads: 7 h 06 min
